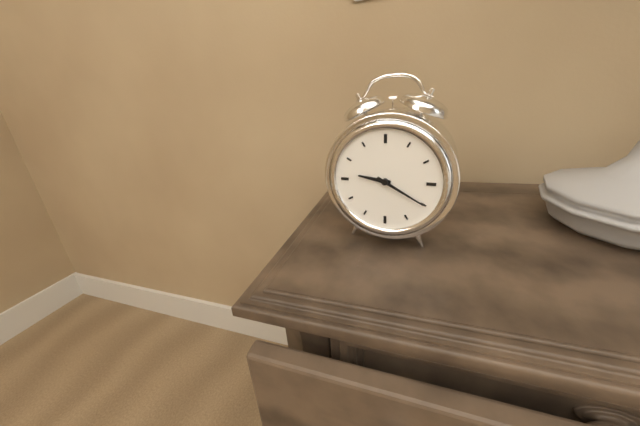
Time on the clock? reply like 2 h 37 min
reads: 9 h 20 min
